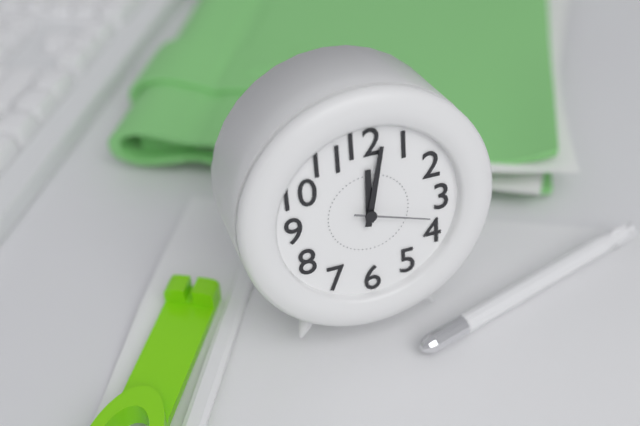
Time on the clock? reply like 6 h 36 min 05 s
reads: 12 h 02 min 18 s
